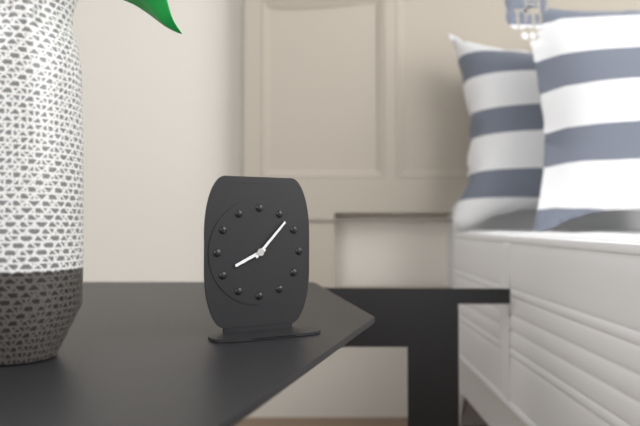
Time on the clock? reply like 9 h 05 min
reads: 8 h 07 min
